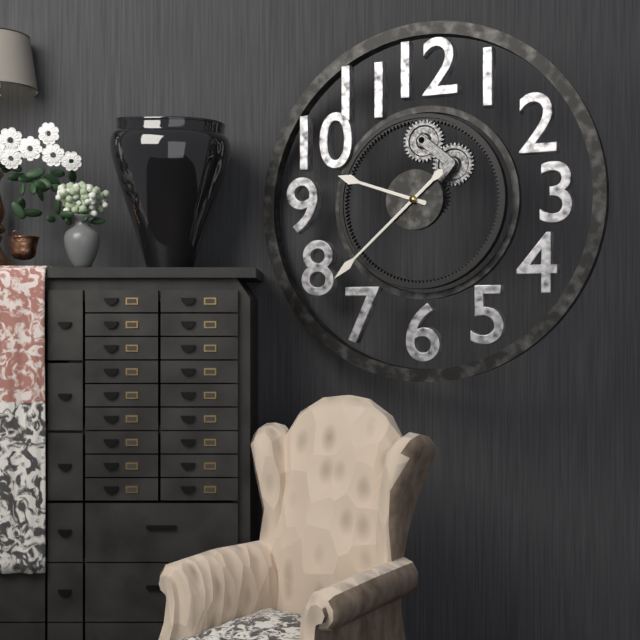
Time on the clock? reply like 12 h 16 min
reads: 9 h 38 min
